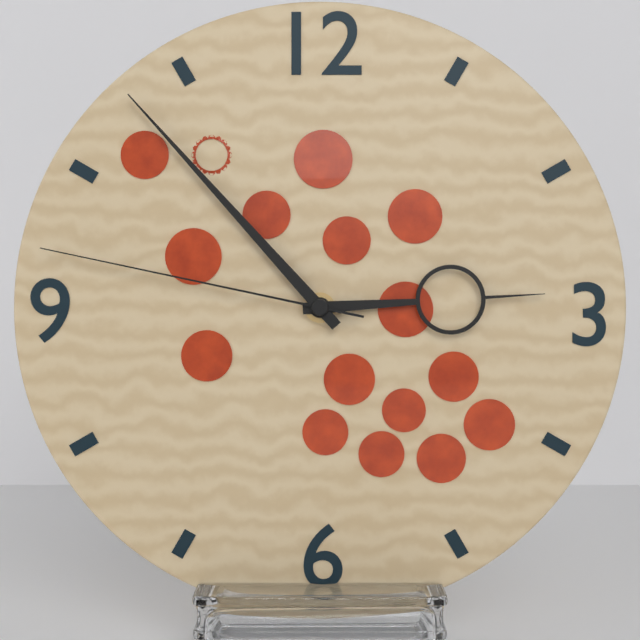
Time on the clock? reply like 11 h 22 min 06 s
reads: 2 h 53 min 47 s
